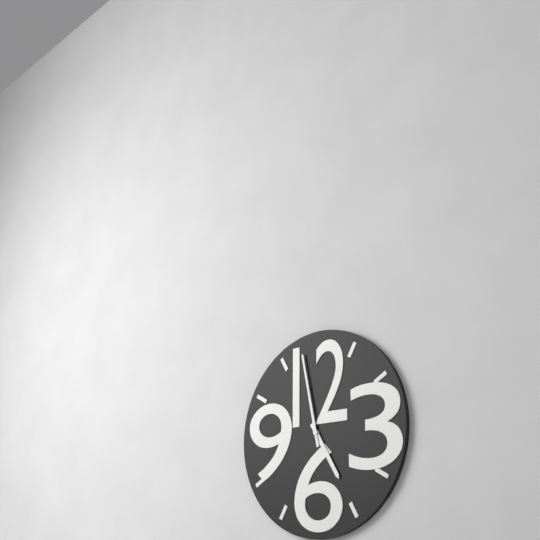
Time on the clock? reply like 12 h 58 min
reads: 4 h 58 min
